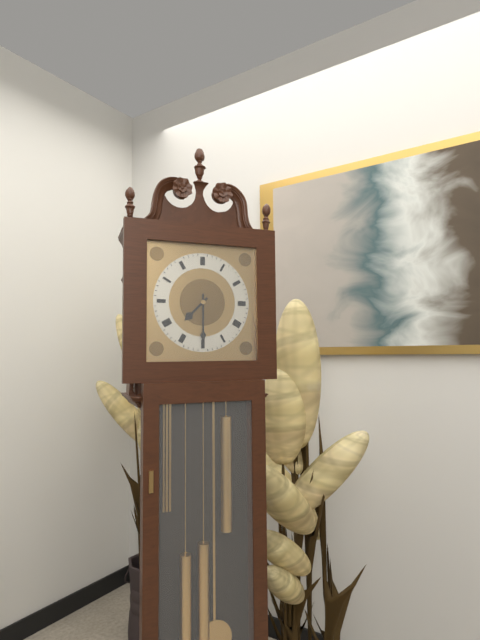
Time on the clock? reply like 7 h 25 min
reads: 7 h 30 min
